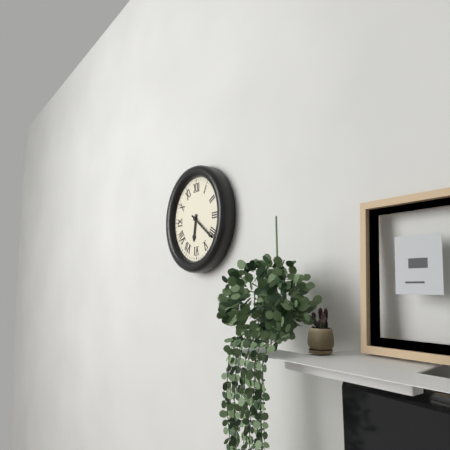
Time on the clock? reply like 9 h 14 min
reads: 6 h 21 min
